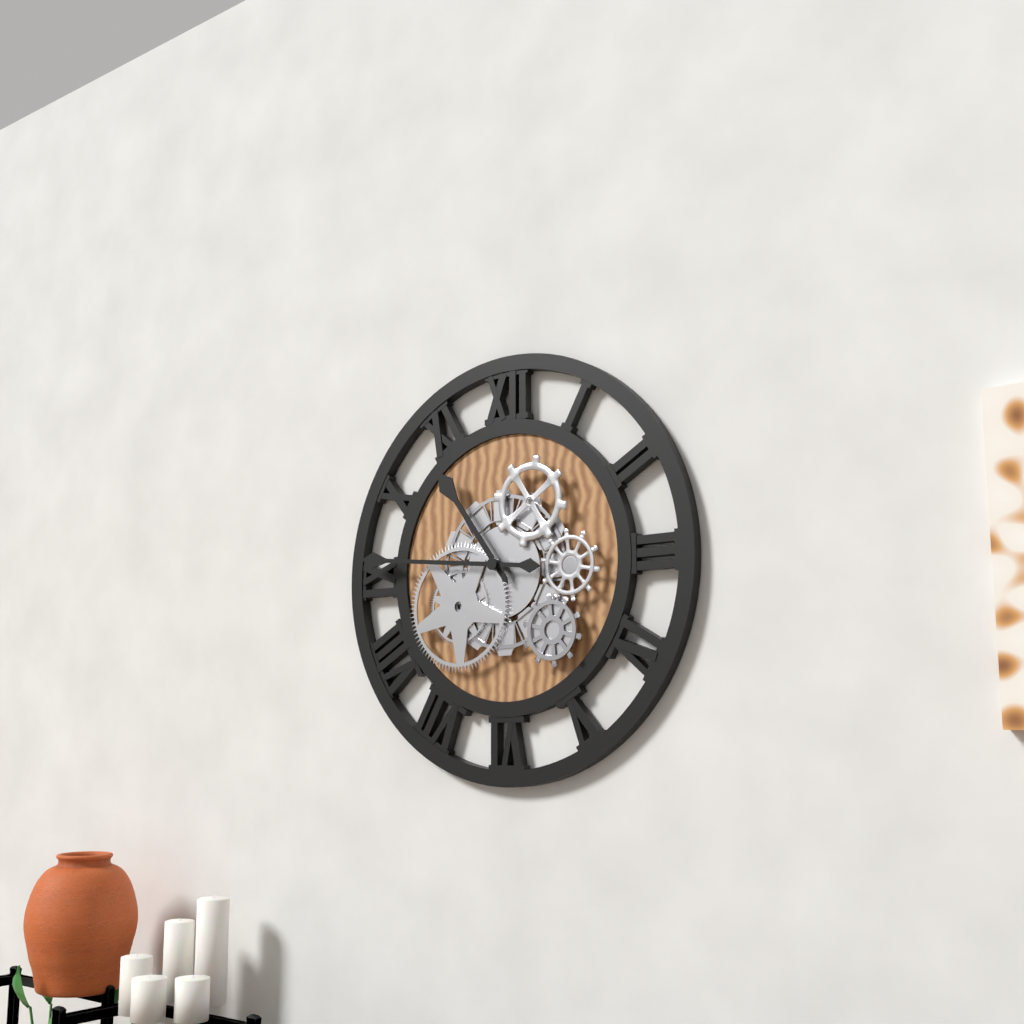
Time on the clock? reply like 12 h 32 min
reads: 10 h 46 min
